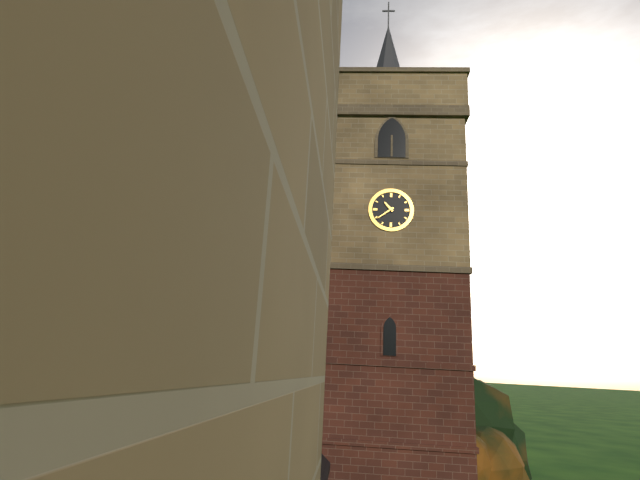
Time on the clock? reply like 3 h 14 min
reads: 10 h 39 min
